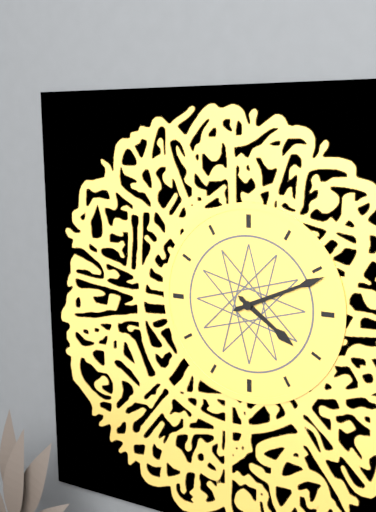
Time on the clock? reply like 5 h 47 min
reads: 4 h 11 min
